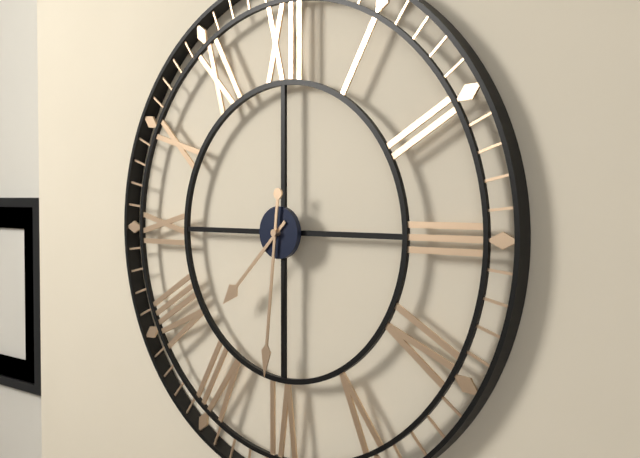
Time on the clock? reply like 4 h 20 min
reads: 7 h 31 min
